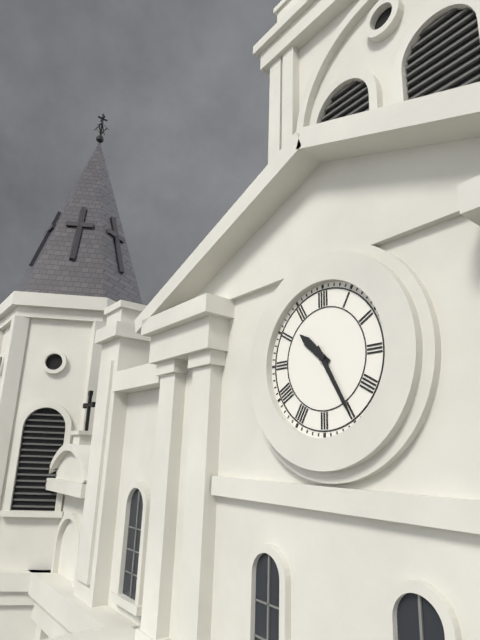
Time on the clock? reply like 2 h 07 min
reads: 10 h 25 min
